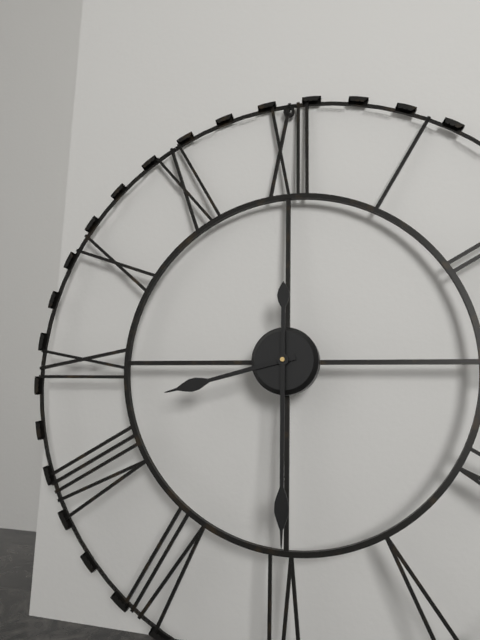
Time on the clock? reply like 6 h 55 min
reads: 8 h 30 min
